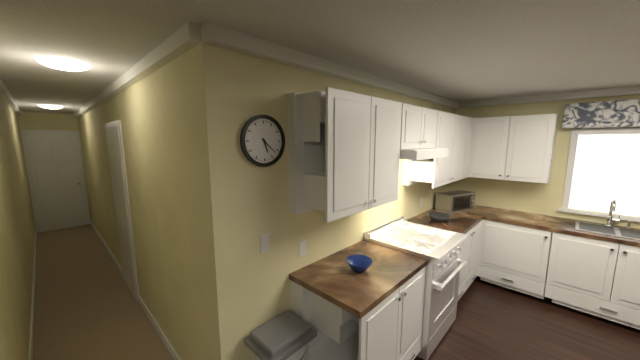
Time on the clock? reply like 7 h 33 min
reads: 5 h 22 min
